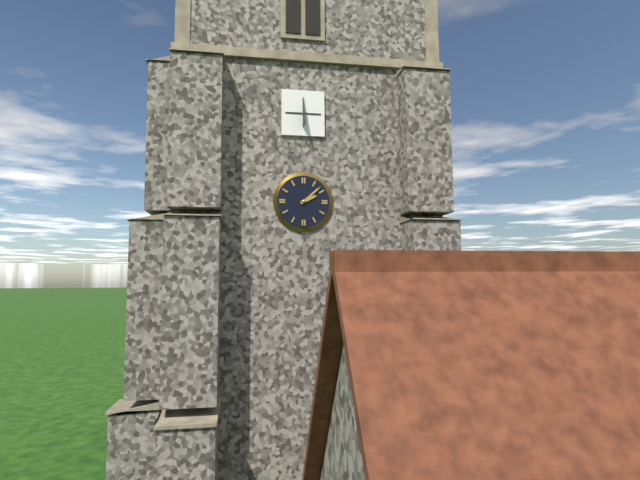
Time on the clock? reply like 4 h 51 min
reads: 2 h 08 min
